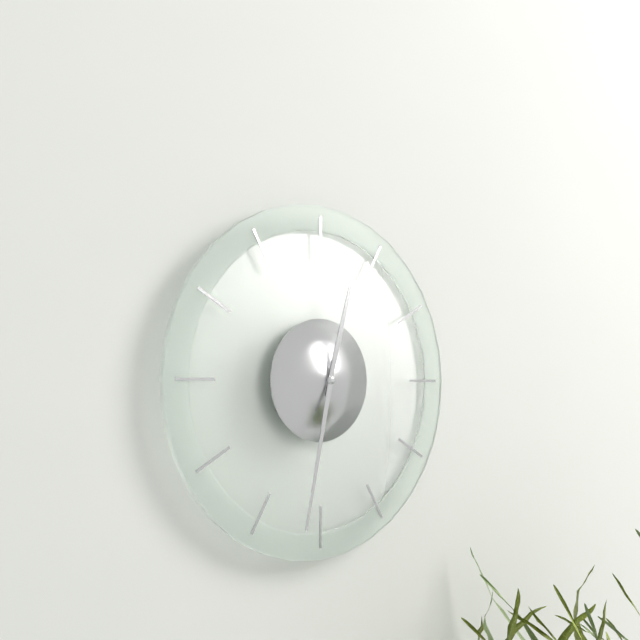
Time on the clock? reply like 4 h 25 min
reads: 12 h 32 min
